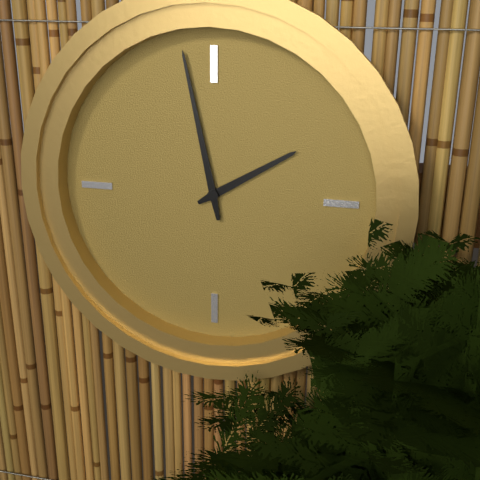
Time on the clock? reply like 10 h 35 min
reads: 1 h 58 min
